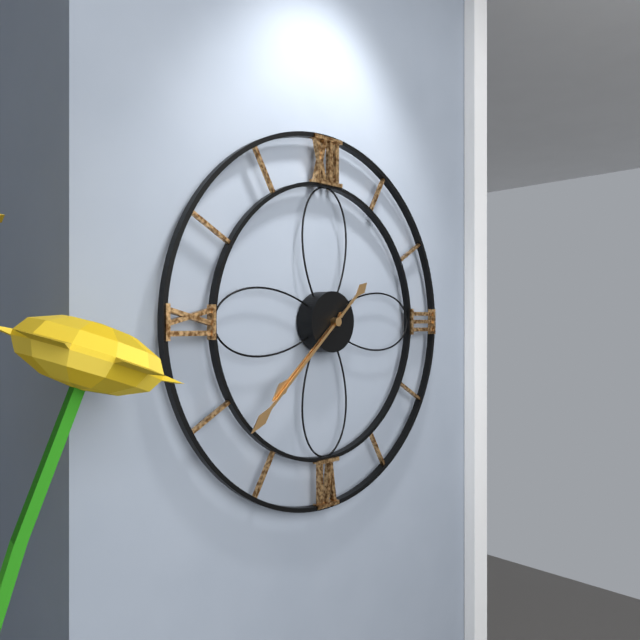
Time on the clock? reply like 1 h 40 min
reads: 7 h 38 min
